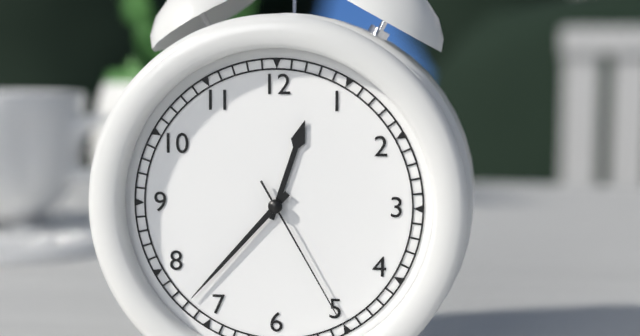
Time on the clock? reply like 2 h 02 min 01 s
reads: 12 h 37 min 25 s
